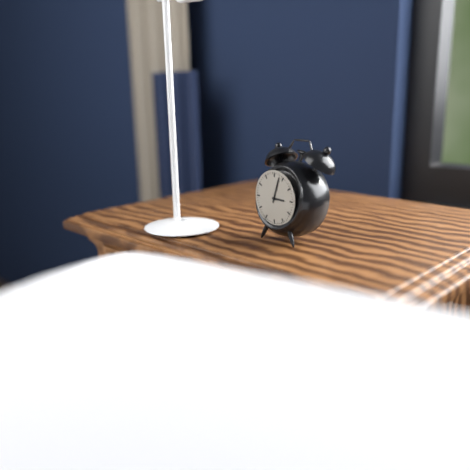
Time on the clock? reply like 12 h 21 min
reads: 3 h 03 min
